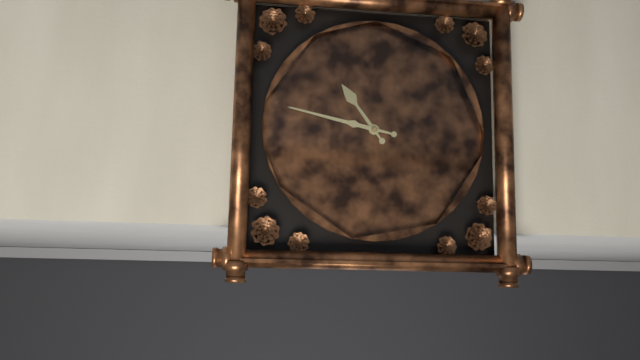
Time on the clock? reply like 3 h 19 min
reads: 10 h 47 min
